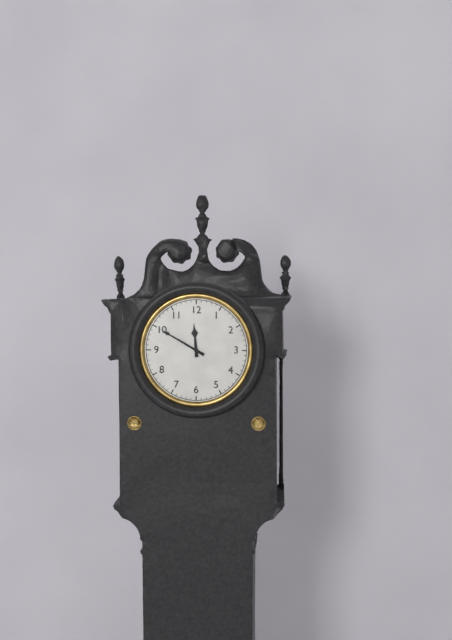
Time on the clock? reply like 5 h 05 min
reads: 11 h 50 min
